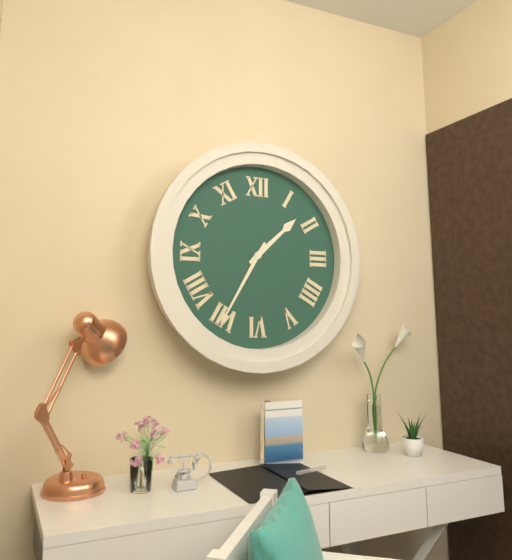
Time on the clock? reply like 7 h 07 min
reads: 1 h 35 min
